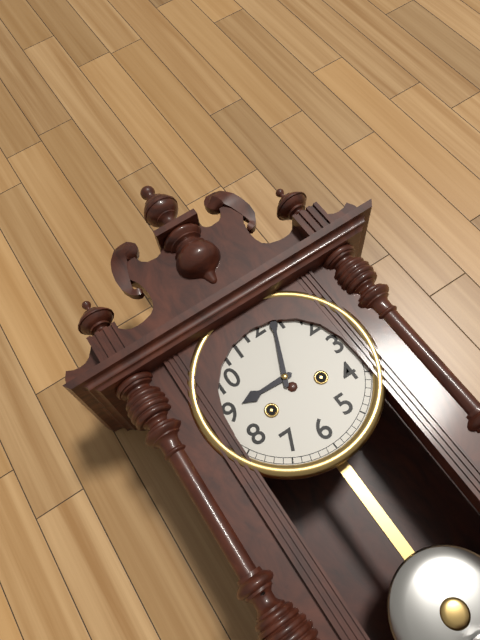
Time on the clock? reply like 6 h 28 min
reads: 9 h 04 min
